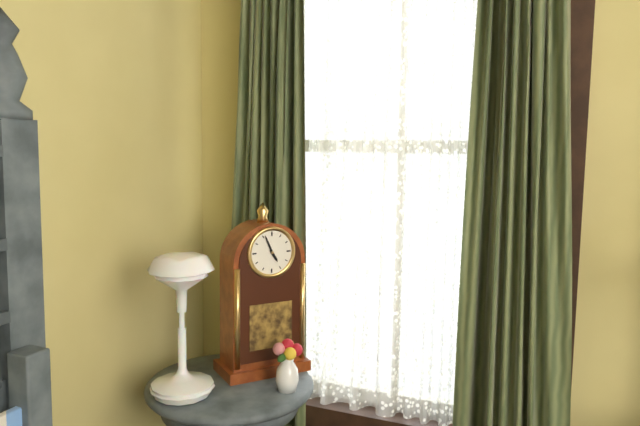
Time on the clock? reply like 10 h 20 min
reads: 4 h 56 min
